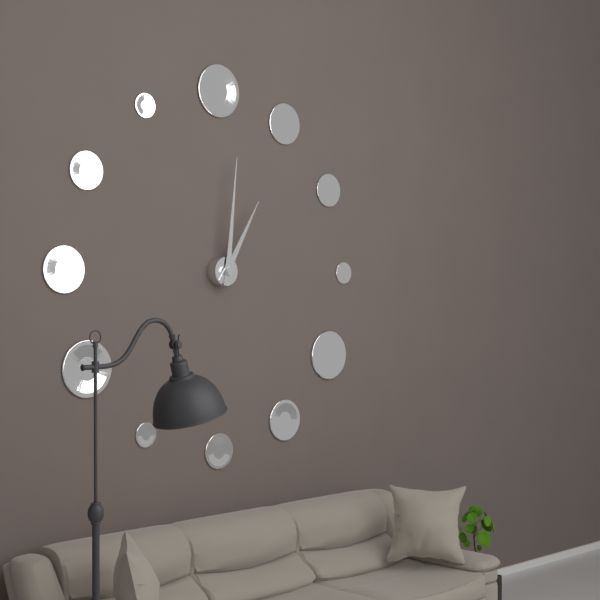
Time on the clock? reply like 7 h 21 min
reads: 1 h 01 min
